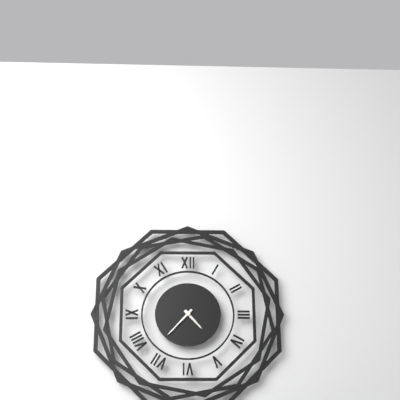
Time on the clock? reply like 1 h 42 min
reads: 4 h 37 min
